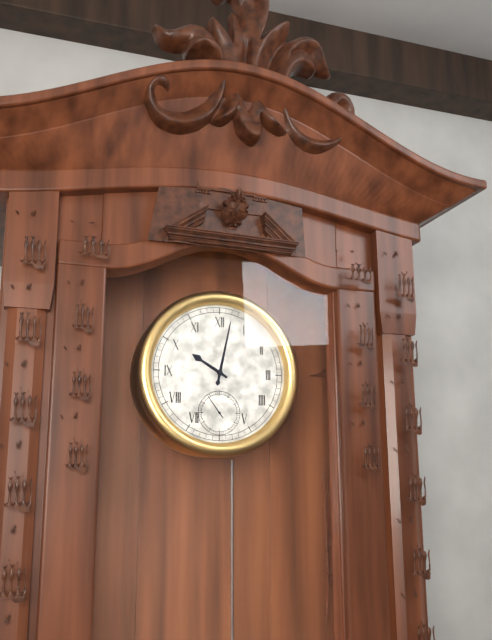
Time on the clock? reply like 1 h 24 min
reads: 10 h 02 min
